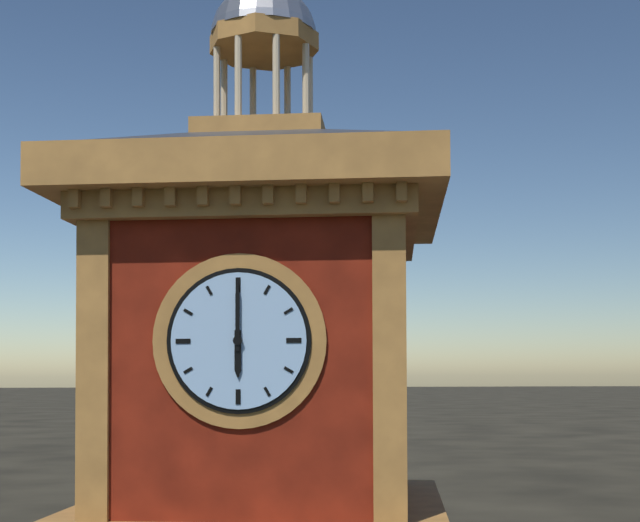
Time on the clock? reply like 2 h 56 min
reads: 6 h 00 min
